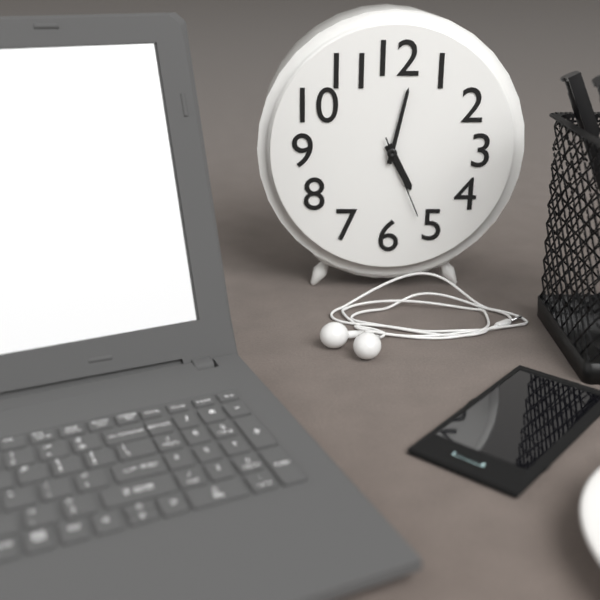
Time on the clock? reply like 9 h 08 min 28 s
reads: 5 h 02 min 26 s
